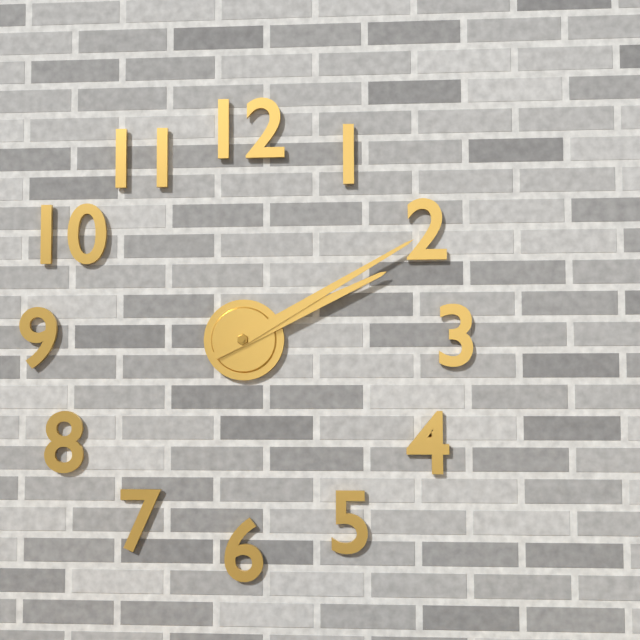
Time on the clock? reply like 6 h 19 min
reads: 2 h 10 min
